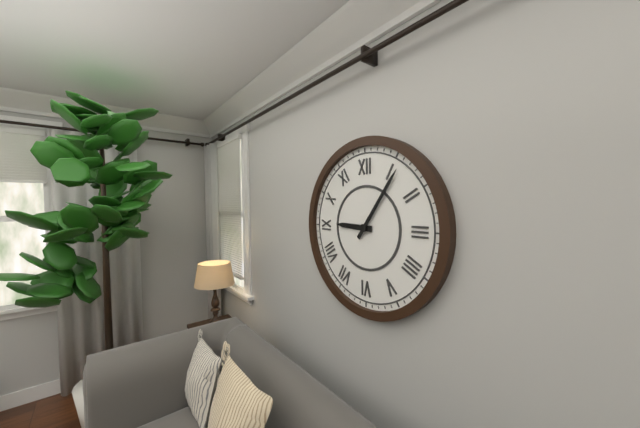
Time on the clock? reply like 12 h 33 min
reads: 9 h 06 min
